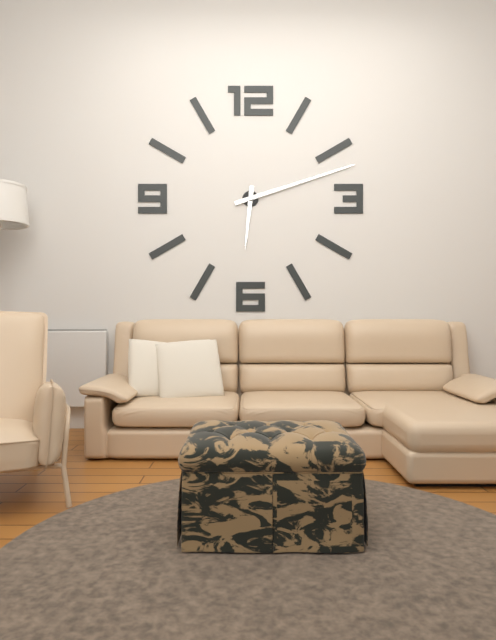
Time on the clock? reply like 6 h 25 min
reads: 6 h 12 min
